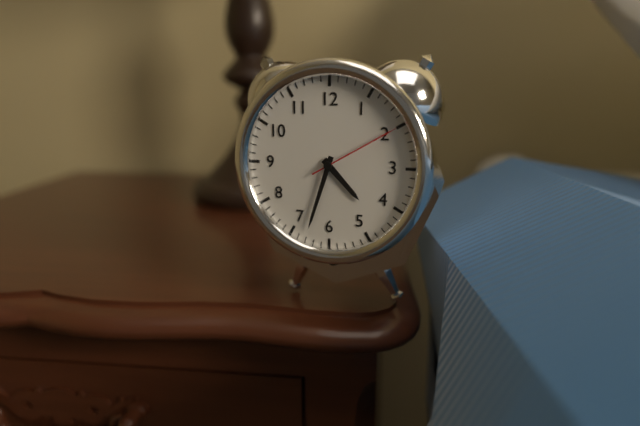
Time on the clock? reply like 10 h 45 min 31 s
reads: 4 h 33 min 10 s
